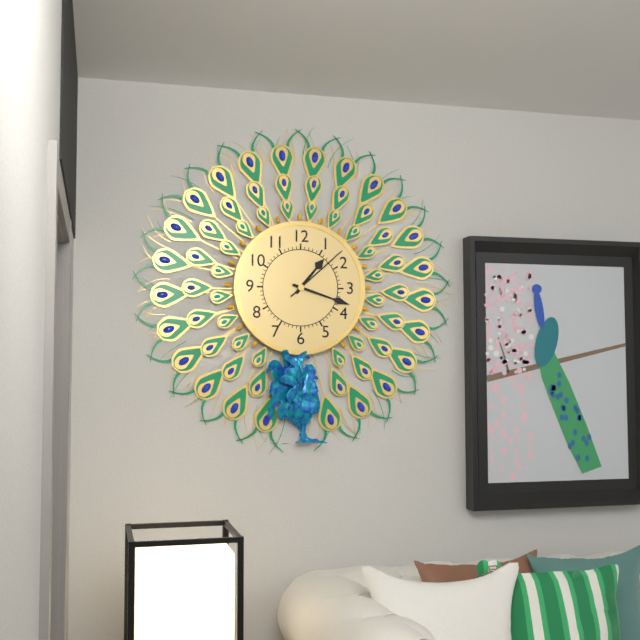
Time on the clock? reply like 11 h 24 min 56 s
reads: 1 h 18 min 08 s
